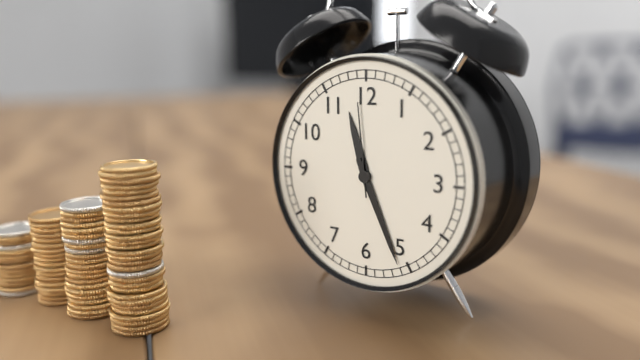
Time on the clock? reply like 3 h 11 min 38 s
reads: 11 h 26 min 59 s
